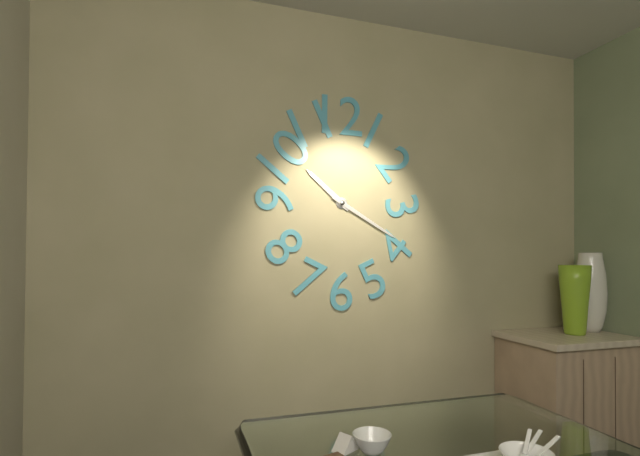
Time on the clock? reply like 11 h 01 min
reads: 10 h 20 min
